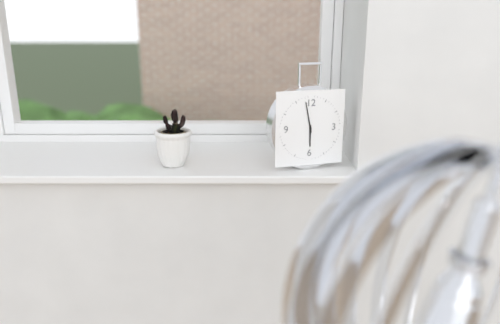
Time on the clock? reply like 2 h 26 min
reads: 5 h 58 min
